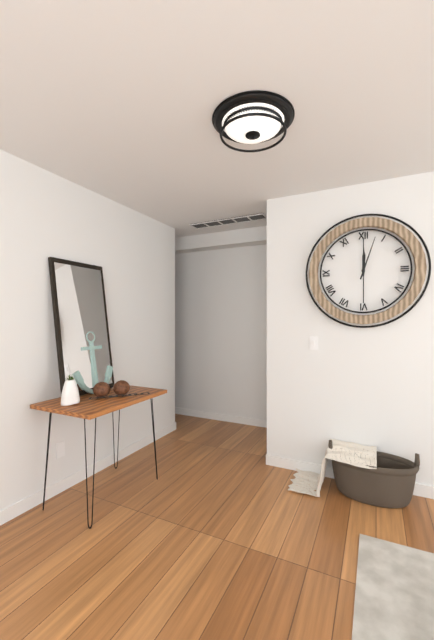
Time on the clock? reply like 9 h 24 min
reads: 12 h 03 min
